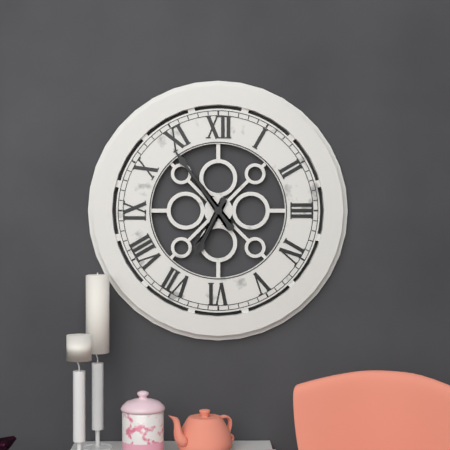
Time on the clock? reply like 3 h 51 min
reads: 6 h 54 min
